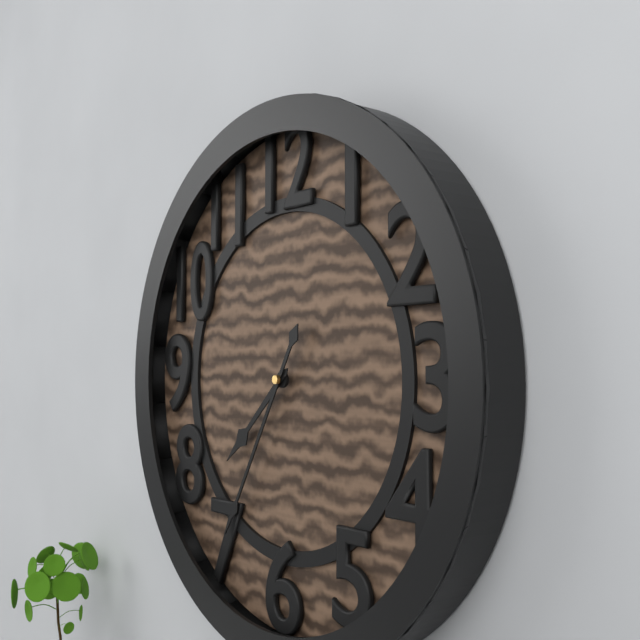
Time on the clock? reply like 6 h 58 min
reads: 7 h 35 min
